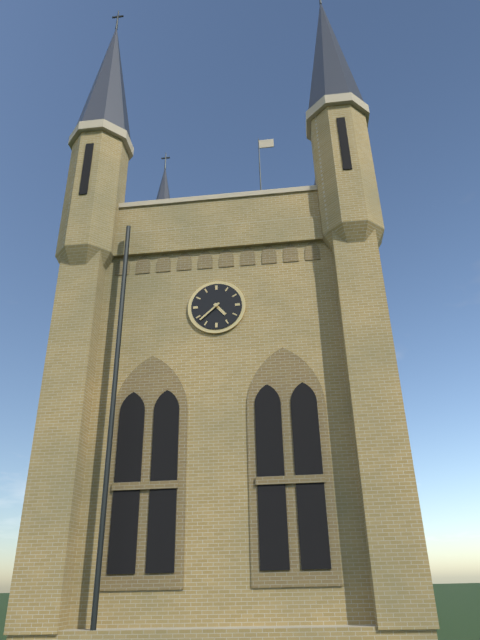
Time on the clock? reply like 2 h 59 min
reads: 4 h 38 min
